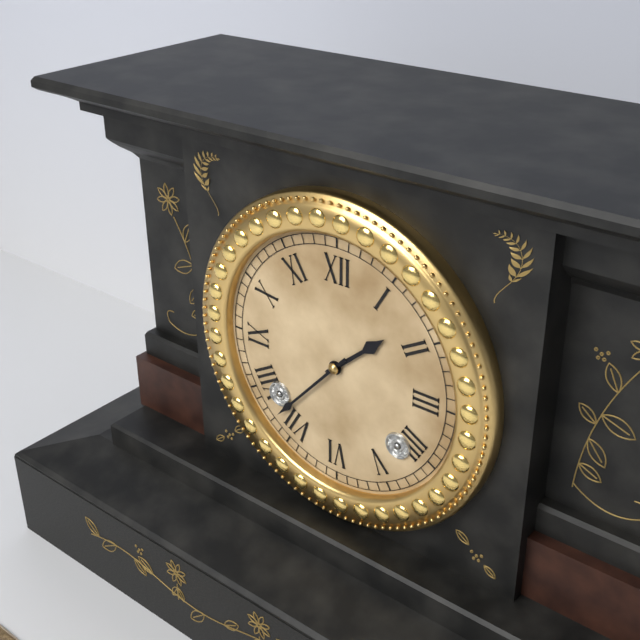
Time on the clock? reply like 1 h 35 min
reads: 1 h 37 min
